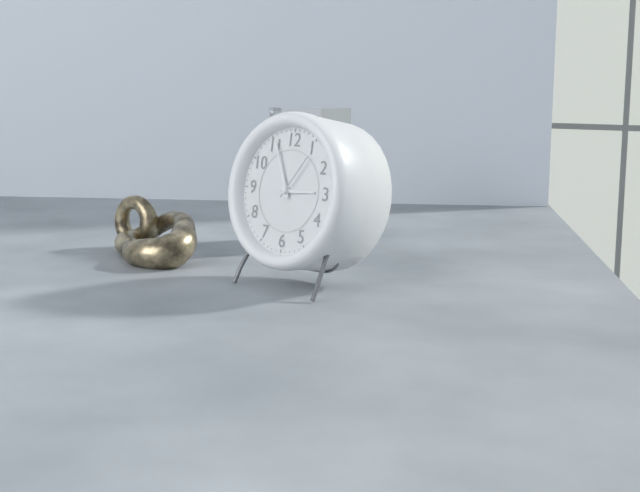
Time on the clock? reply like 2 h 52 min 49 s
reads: 2 h 56 min 06 s
